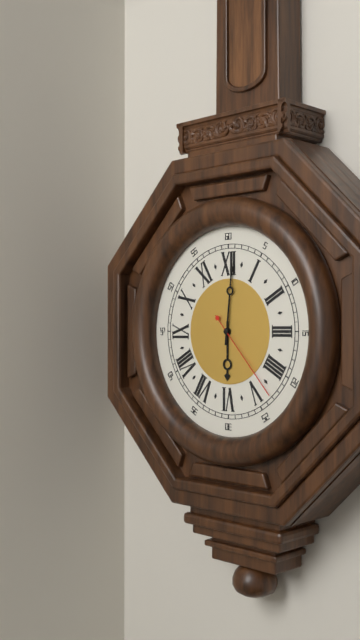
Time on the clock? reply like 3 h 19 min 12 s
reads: 6 h 01 min 23 s
